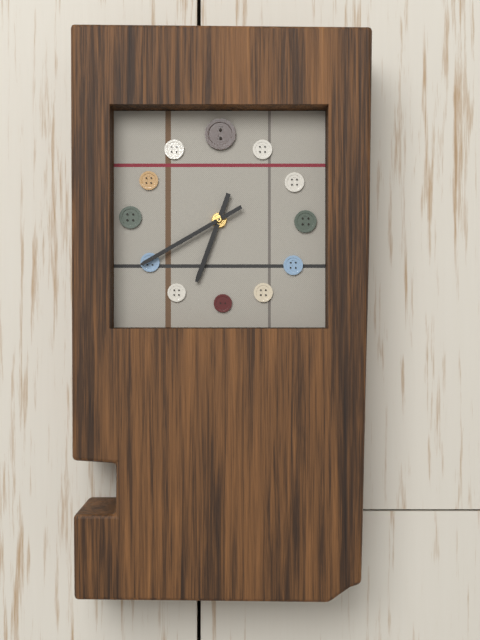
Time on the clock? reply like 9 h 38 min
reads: 6 h 40 min
